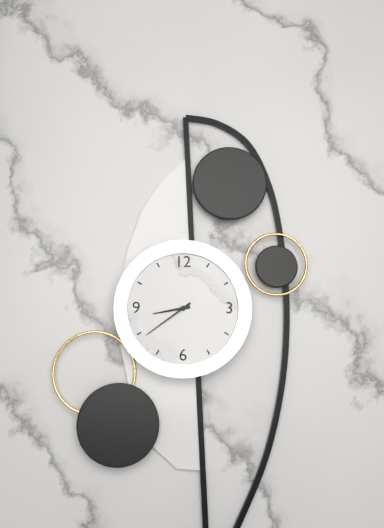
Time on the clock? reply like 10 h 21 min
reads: 8 h 39 min
